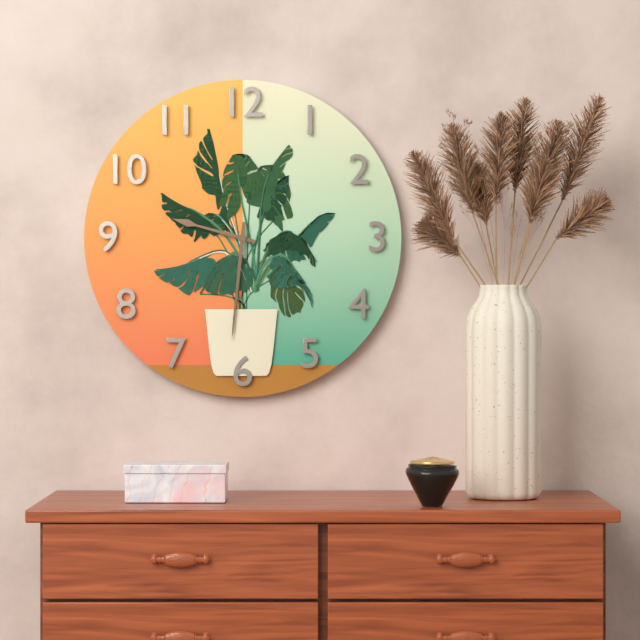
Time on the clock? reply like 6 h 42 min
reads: 9 h 31 min
